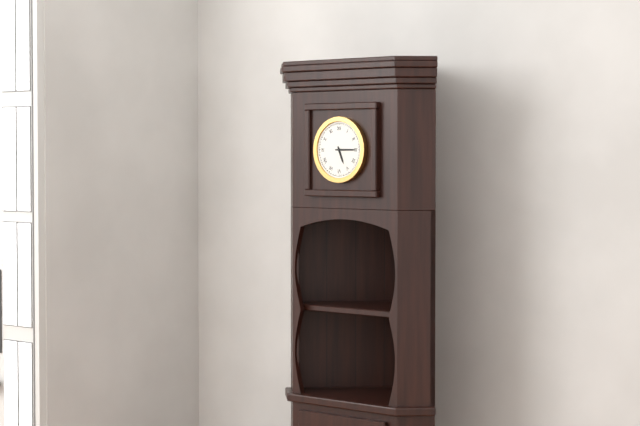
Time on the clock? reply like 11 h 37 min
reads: 5 h 15 min
